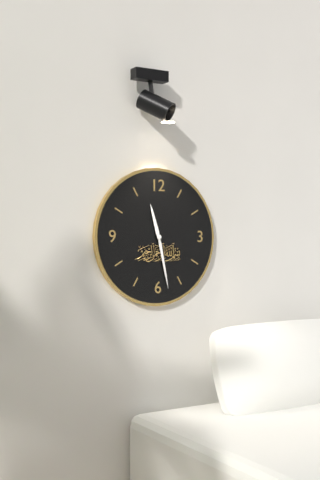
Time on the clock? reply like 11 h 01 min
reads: 11 h 28 min
